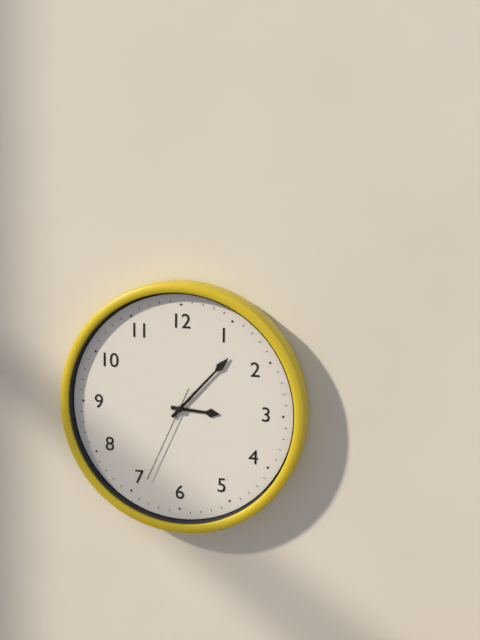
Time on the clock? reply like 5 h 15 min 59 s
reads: 3 h 07 min 34 s
